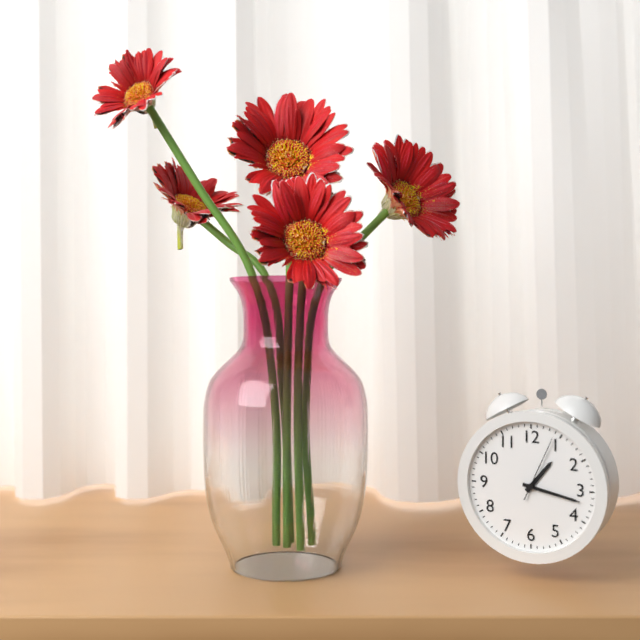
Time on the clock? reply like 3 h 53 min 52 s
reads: 1 h 17 min 04 s
